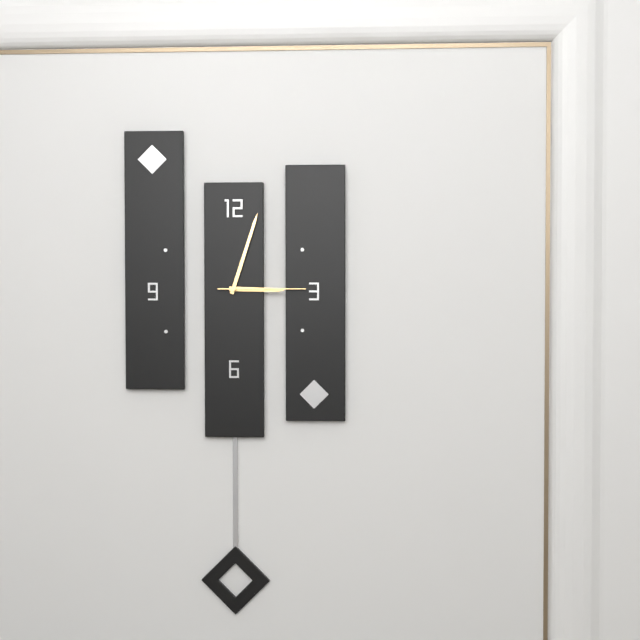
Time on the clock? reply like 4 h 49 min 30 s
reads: 3 h 03 min 15 s
